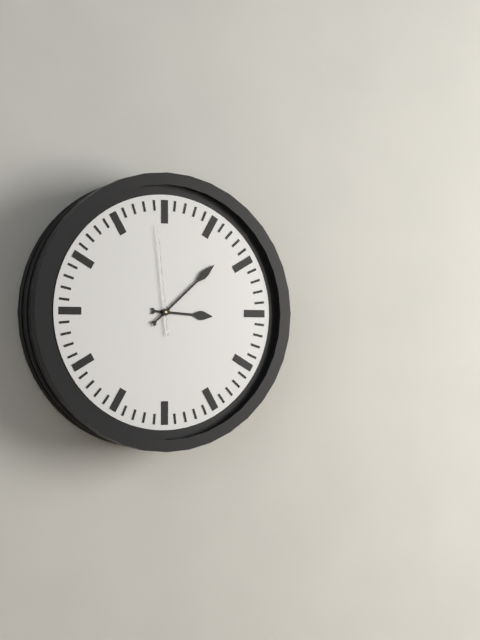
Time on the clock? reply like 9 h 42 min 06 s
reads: 3 h 08 min 59 s
